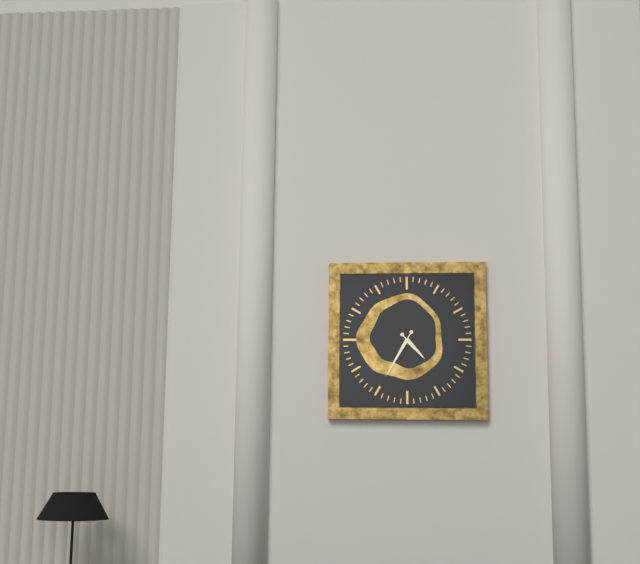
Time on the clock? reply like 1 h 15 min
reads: 4 h 35 min
